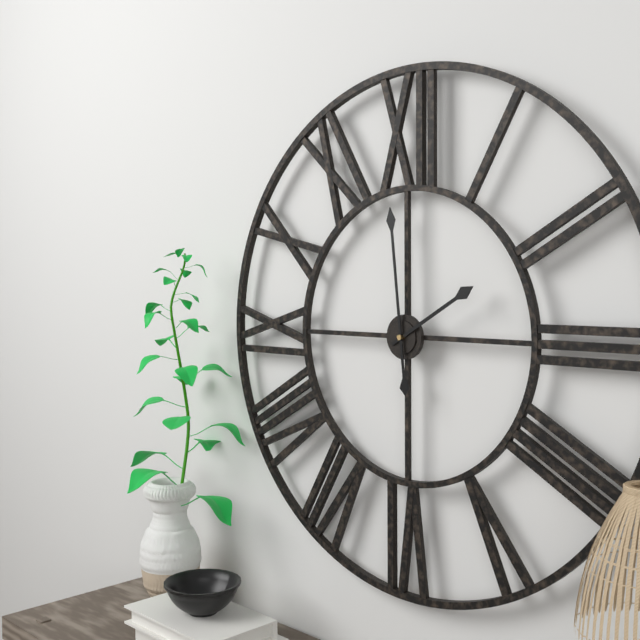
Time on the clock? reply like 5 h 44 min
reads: 1 h 59 min
